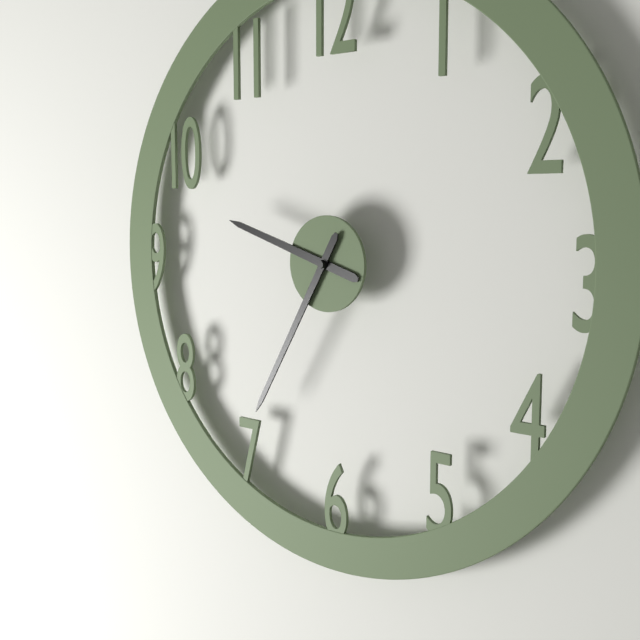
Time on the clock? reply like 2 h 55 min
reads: 9 h 35 min
